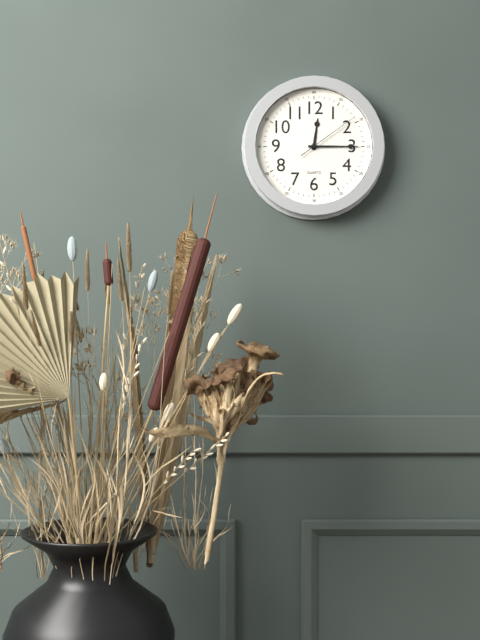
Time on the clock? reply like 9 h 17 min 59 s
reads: 12 h 15 min 09 s
